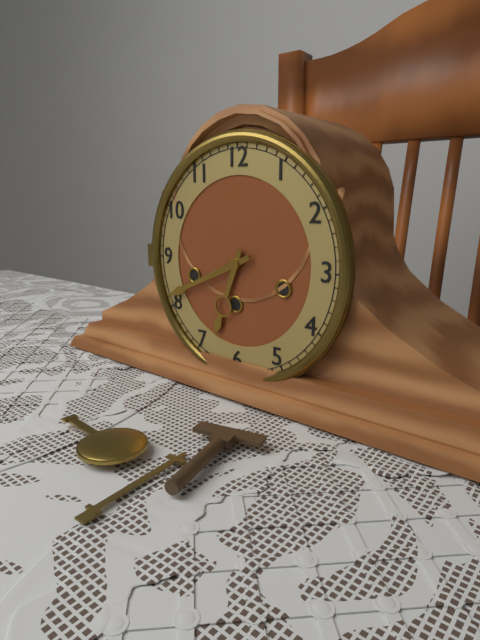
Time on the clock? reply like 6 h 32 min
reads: 6 h 41 min
